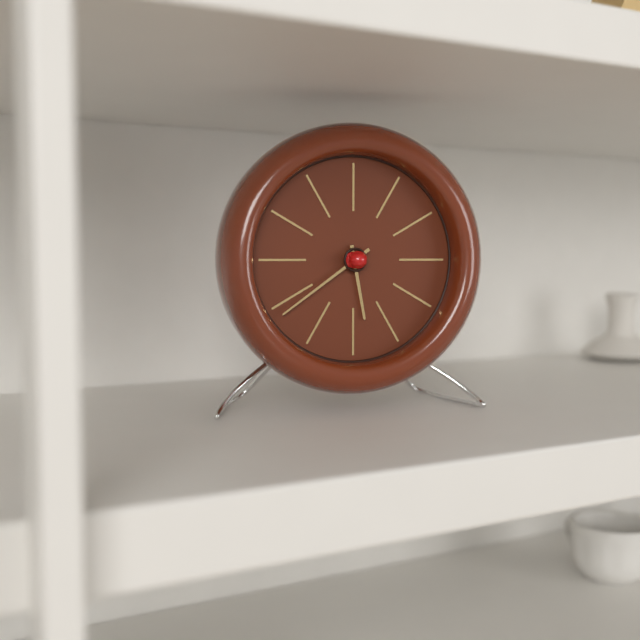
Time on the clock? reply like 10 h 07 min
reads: 5 h 39 min
